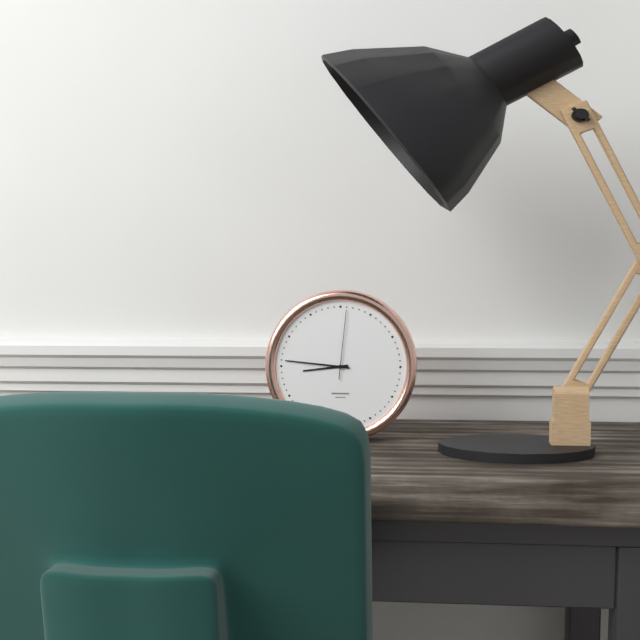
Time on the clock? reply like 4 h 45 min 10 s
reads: 8 h 46 min 01 s
